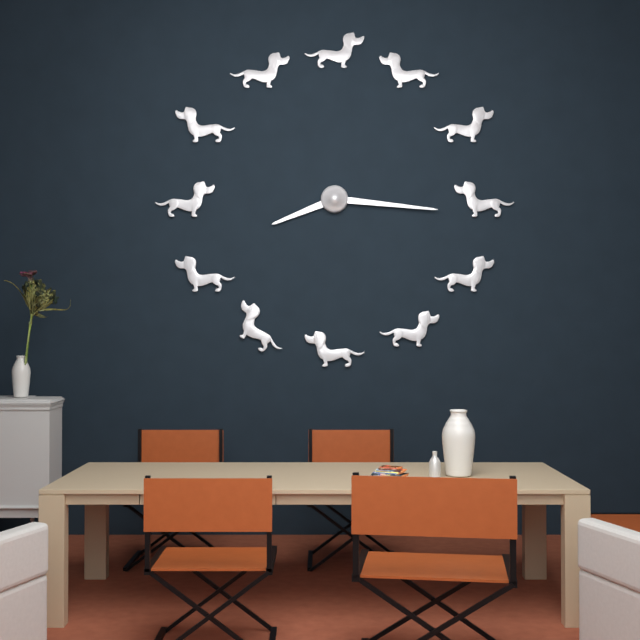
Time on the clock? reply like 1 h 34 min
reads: 8 h 16 min
